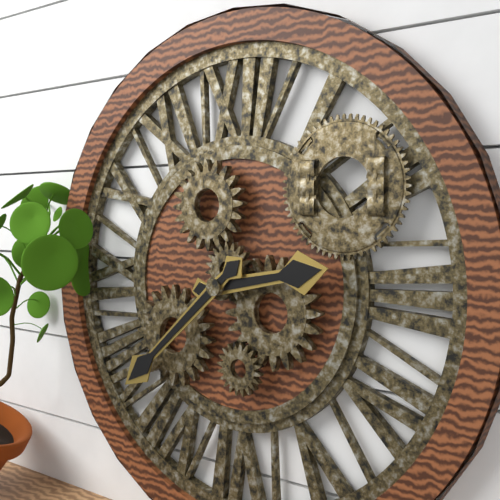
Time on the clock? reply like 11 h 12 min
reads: 2 h 38 min
